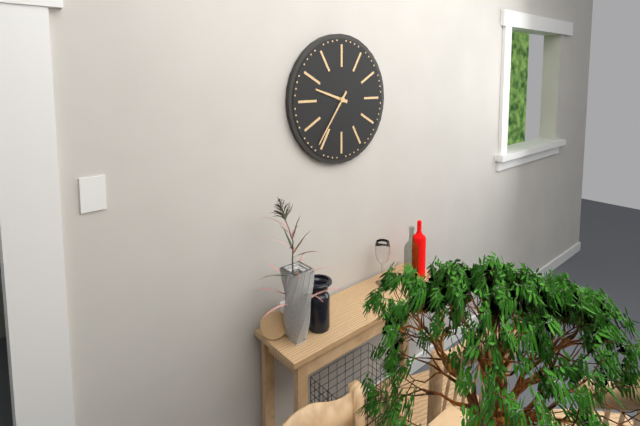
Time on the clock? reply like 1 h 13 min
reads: 9 h 36 min
